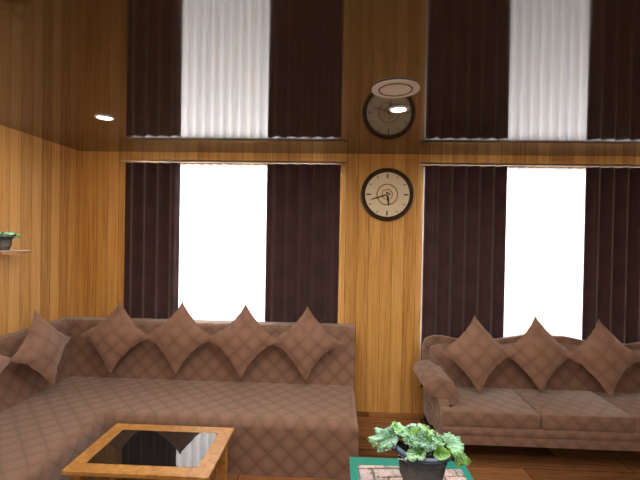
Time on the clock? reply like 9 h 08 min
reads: 5 h 42 min
